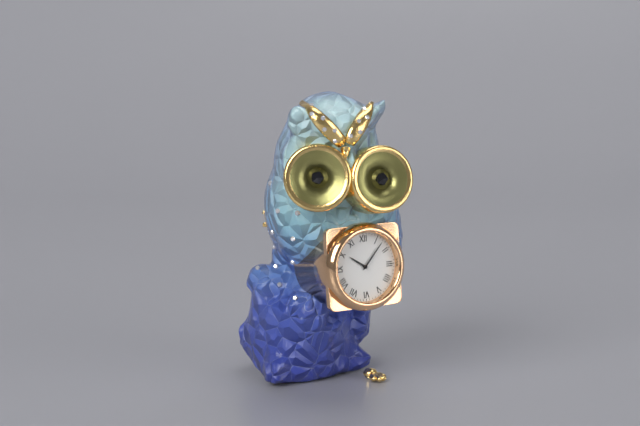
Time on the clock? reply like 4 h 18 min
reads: 10 h 07 min
